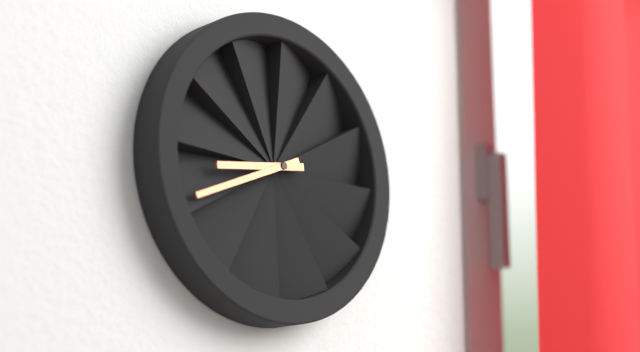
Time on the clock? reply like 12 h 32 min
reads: 8 h 41 min
